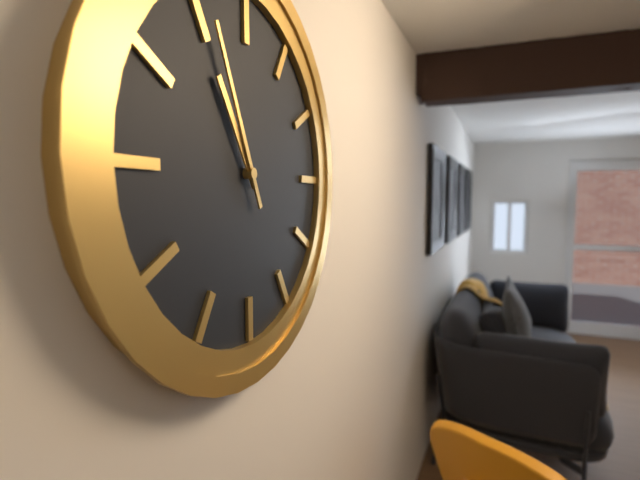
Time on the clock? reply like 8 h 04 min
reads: 10 h 56 min
